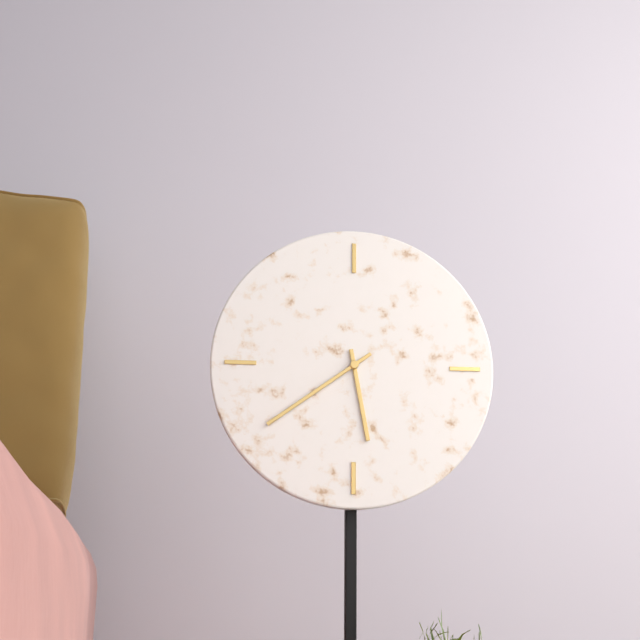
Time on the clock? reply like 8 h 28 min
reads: 5 h 39 min
